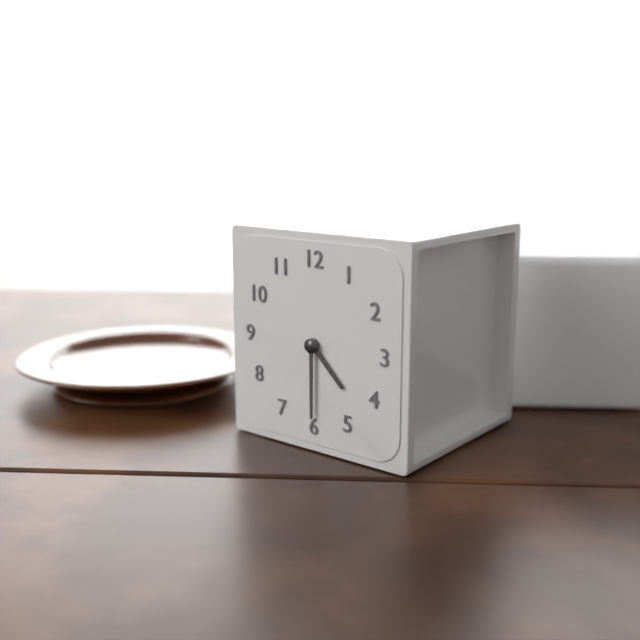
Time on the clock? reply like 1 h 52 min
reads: 4 h 30 min
